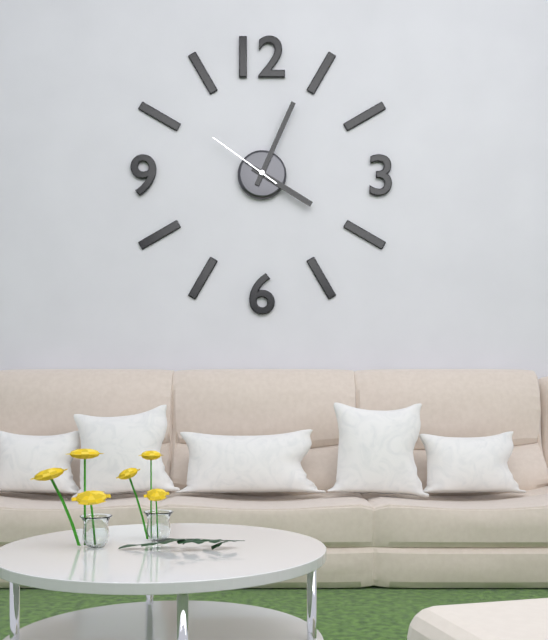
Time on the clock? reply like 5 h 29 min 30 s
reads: 4 h 04 min 51 s
